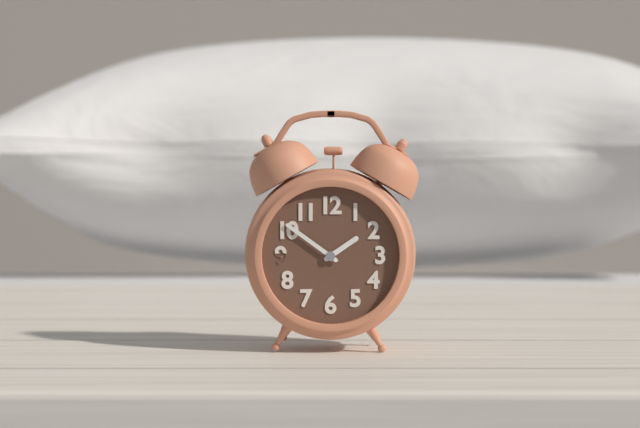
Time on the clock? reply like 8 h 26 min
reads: 1 h 51 min
